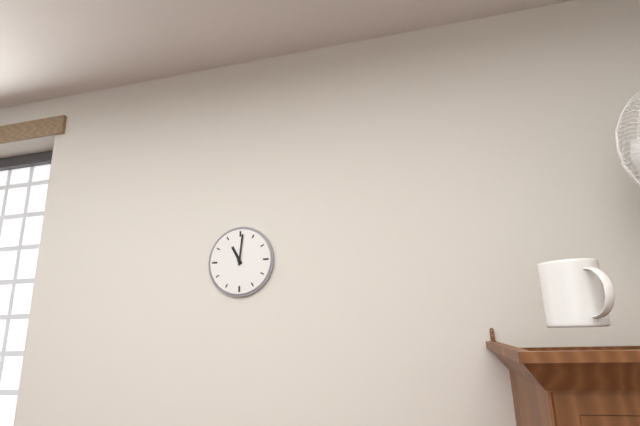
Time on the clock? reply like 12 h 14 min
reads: 11 h 01 min
